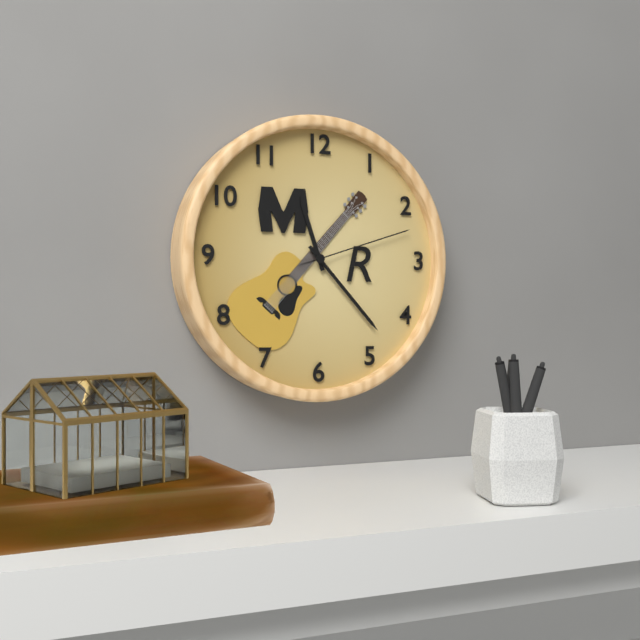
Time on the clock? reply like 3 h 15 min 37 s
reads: 11 h 23 min 12 s
